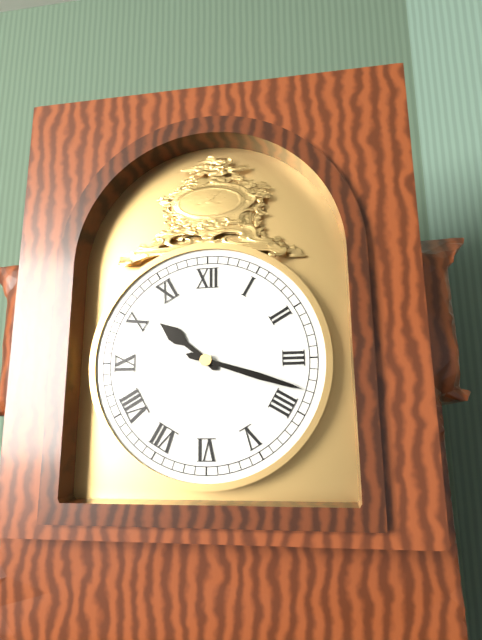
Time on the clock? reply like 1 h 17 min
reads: 10 h 18 min
